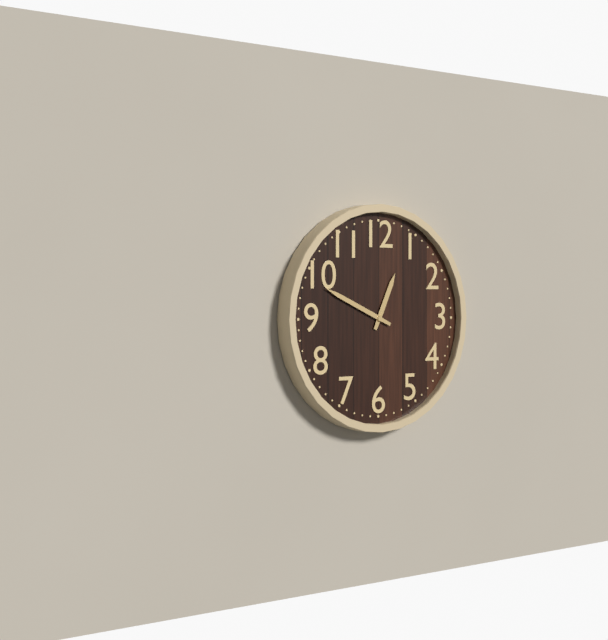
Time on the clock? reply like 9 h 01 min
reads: 12 h 49 min
